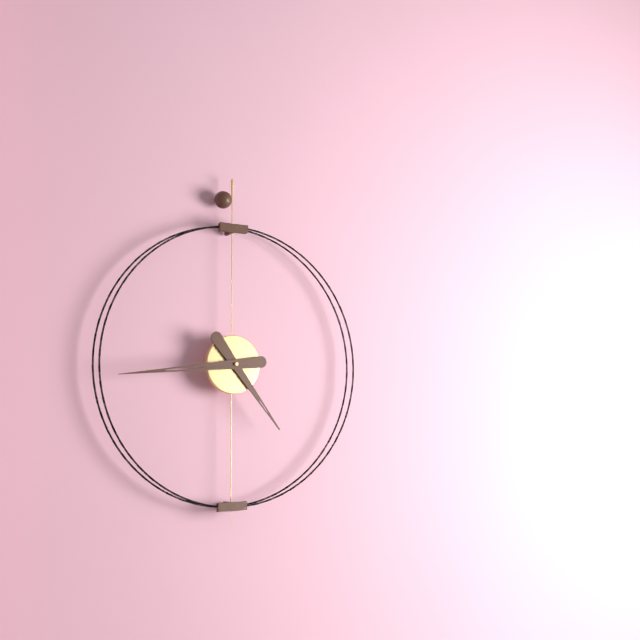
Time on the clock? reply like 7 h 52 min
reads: 4 h 44 min
